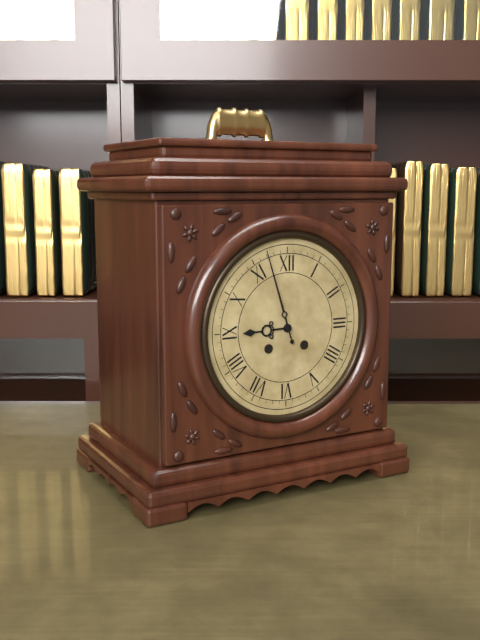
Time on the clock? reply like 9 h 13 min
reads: 8 h 57 min
